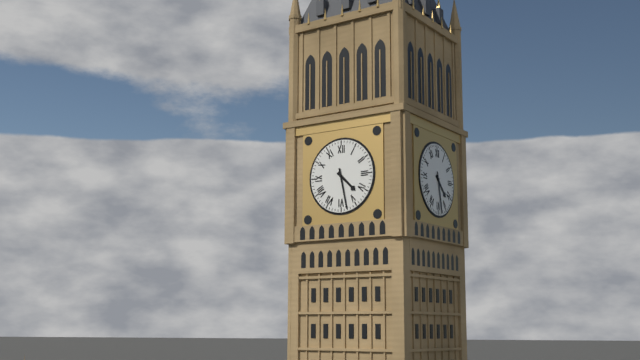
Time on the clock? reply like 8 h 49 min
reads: 4 h 28 min
